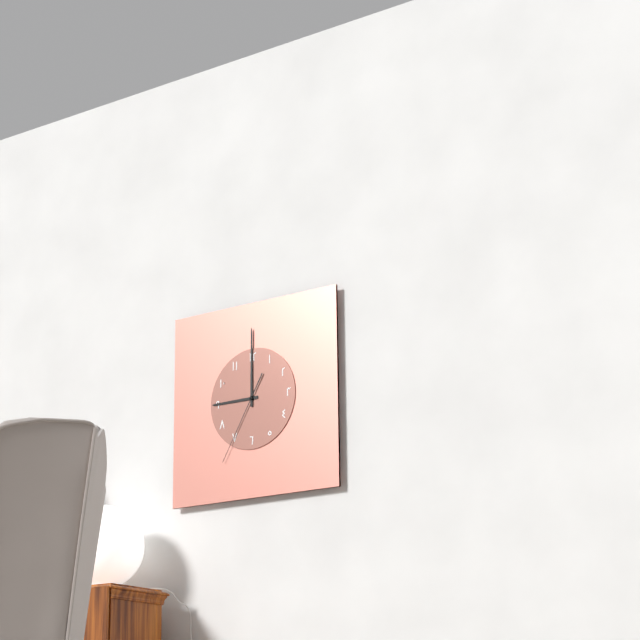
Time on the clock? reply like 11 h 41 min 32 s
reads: 9 h 00 min 35 s
